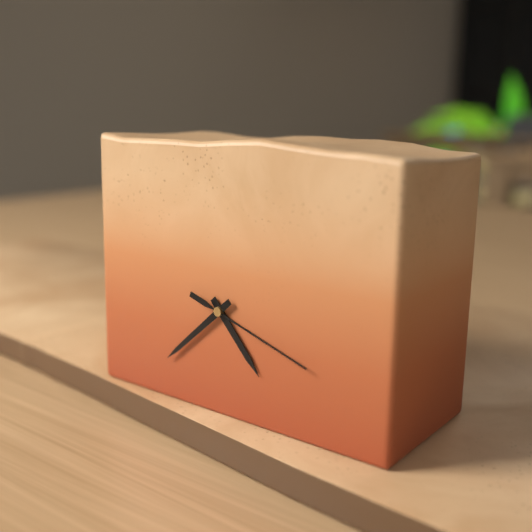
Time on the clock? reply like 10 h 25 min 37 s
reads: 4 h 38 min 18 s
